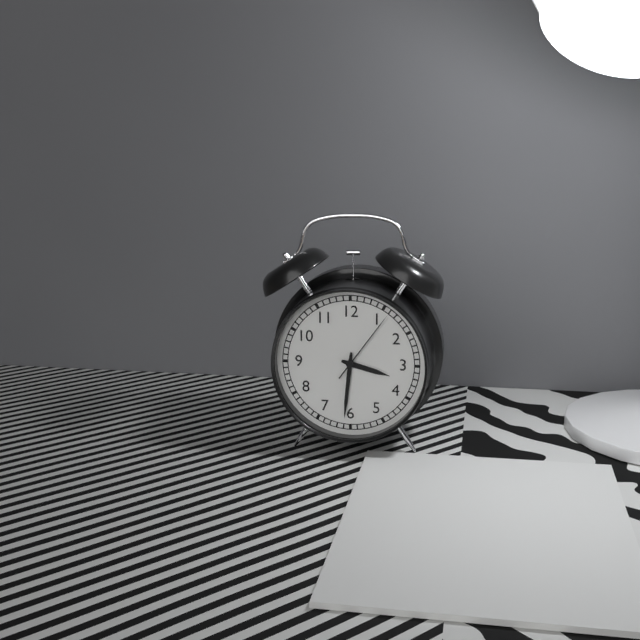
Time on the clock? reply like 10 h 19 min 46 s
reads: 3 h 31 min 06 s
